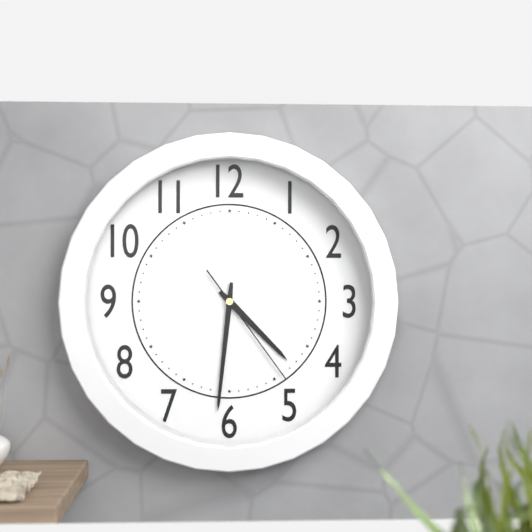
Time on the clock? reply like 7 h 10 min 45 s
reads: 4 h 31 min 24 s
